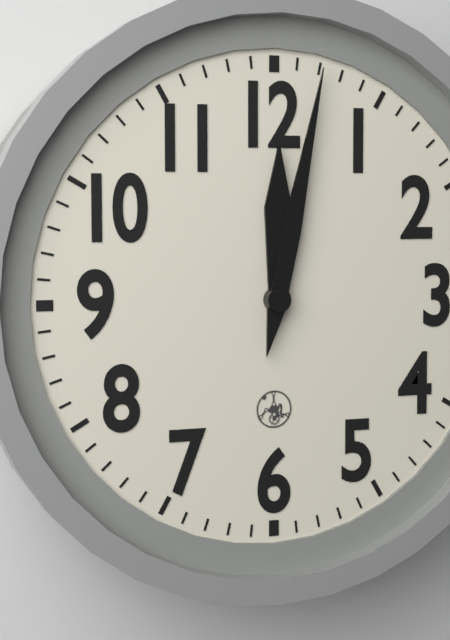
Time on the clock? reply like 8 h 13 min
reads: 12 h 02 min
